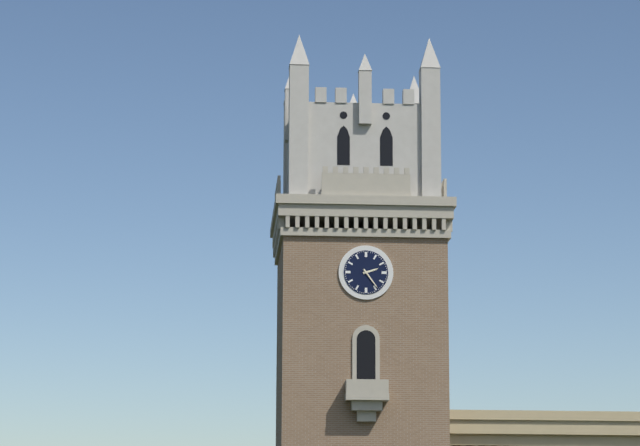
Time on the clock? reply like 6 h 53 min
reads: 2 h 24 min
